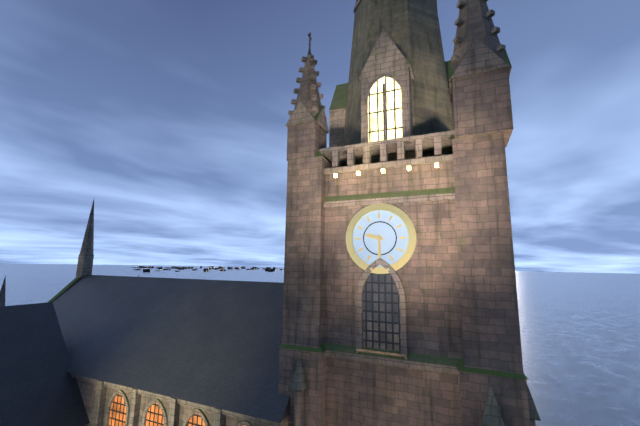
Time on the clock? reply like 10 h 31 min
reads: 9 h 30 min
